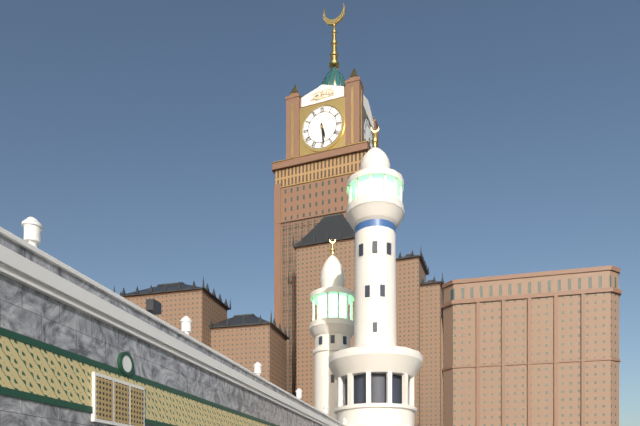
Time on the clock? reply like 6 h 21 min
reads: 5 h 29 min
